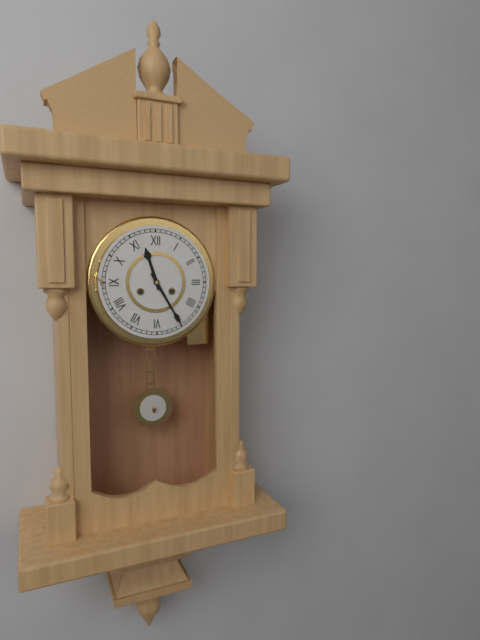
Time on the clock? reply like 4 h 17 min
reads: 11 h 25 min
